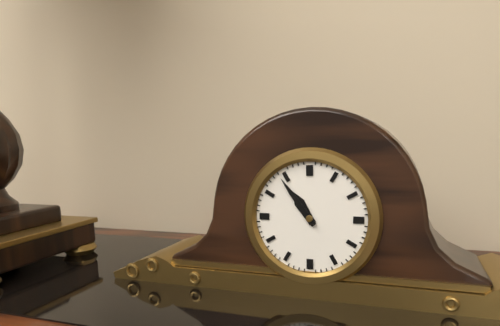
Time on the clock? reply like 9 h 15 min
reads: 10 h 54 min
